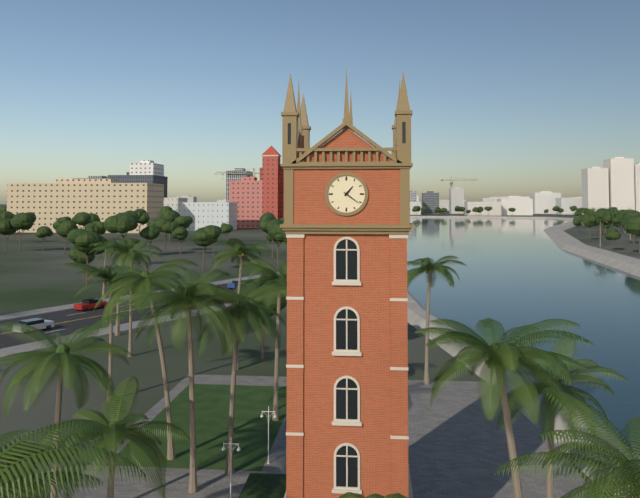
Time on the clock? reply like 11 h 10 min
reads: 1 h 21 min
